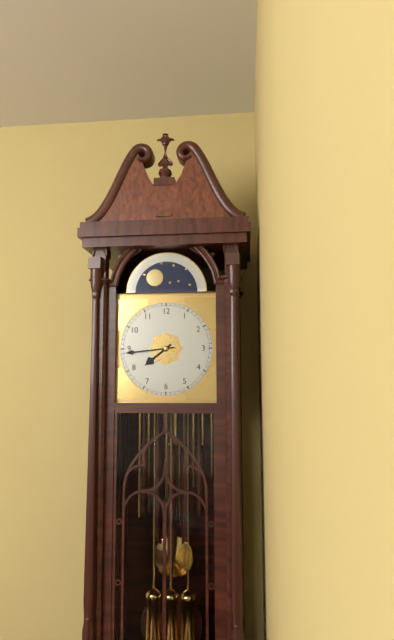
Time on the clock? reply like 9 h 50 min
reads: 7 h 44 min
